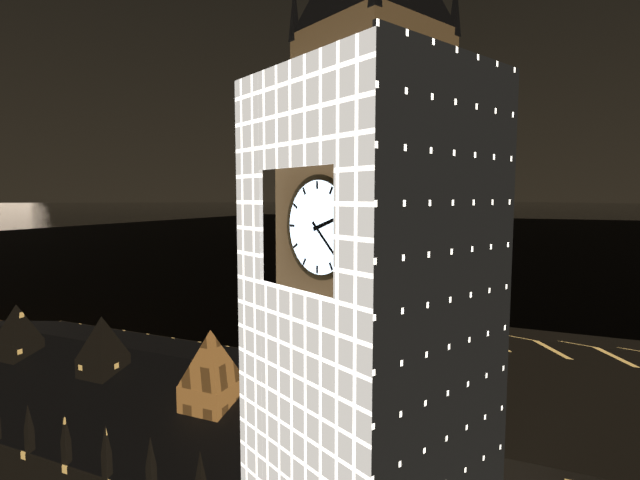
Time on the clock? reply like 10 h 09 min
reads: 2 h 22 min
